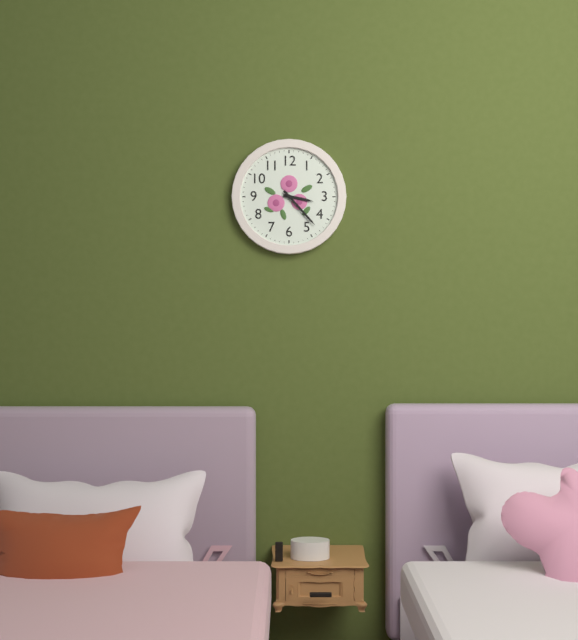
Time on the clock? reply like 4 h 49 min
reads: 3 h 23 min
